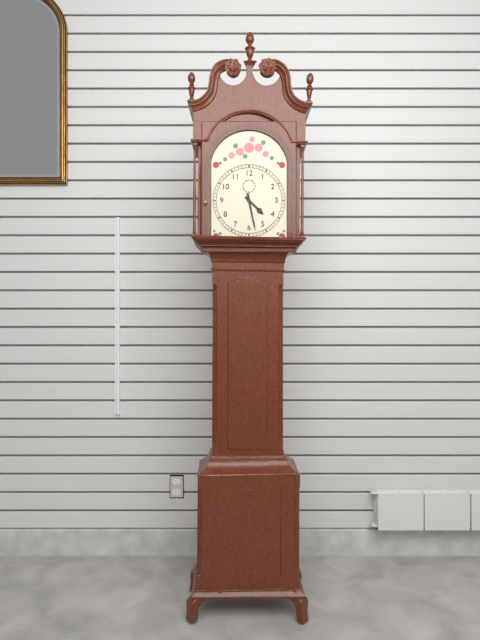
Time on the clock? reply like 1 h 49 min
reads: 4 h 28 min
